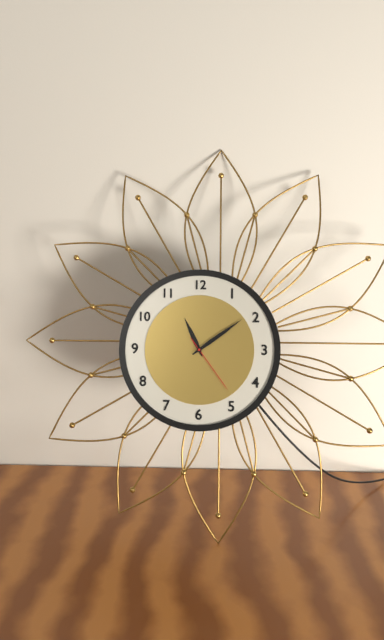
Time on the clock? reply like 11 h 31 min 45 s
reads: 11 h 09 min 24 s
